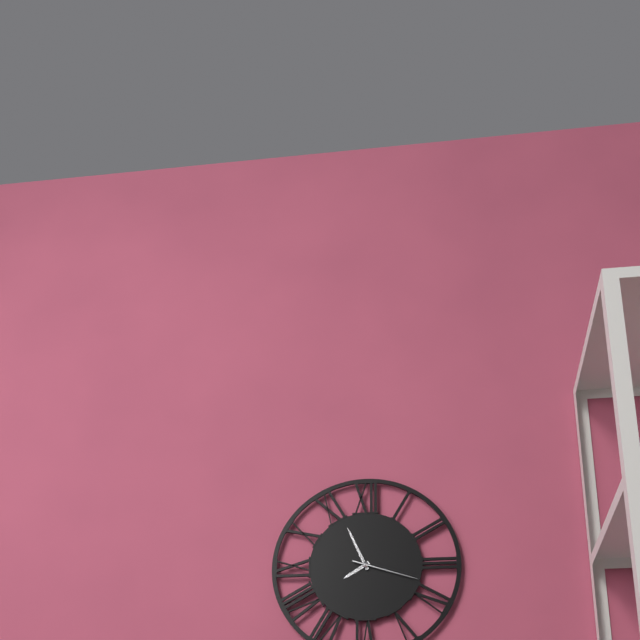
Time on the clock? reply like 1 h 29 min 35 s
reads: 7 h 56 min 18 s
